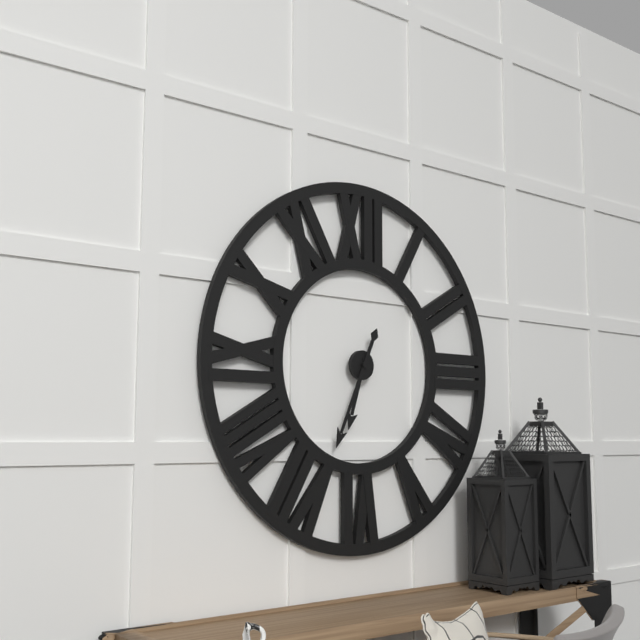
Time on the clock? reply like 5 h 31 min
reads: 6 h 34 min
